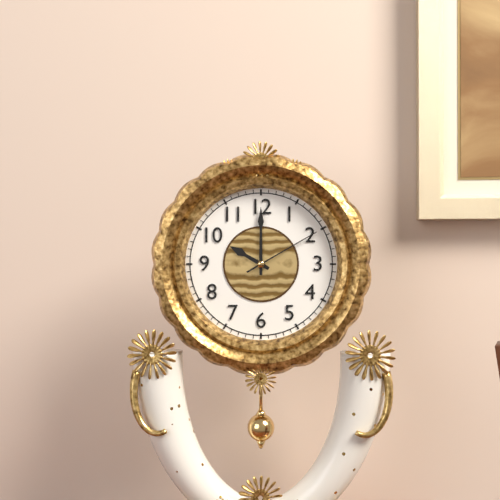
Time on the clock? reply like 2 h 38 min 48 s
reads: 10 h 00 min 10 s
